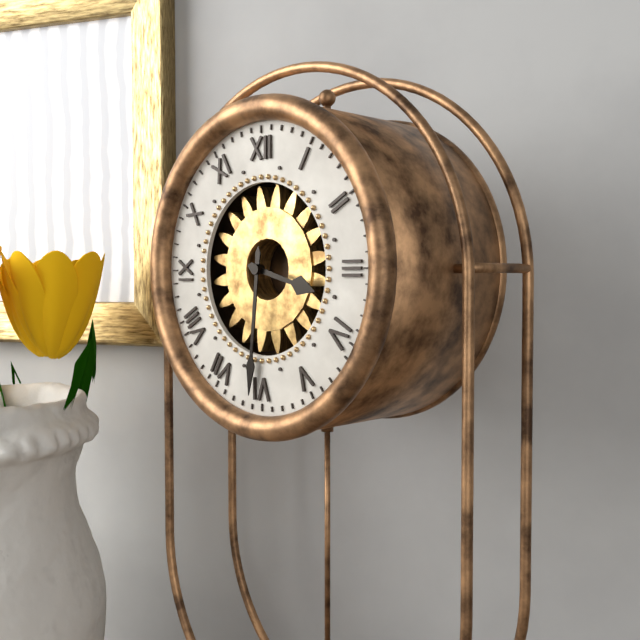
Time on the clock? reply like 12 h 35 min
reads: 3 h 31 min
